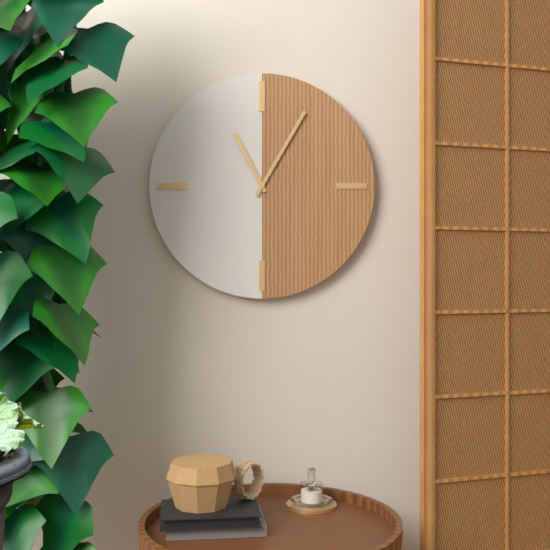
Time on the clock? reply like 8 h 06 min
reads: 11 h 05 min
